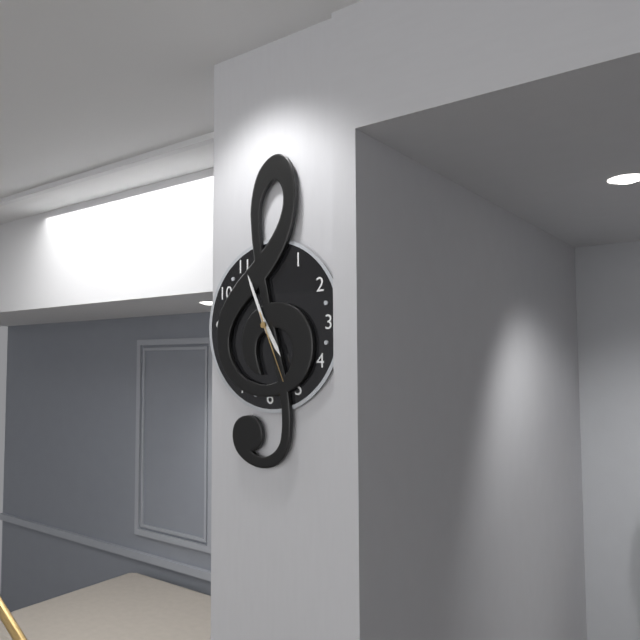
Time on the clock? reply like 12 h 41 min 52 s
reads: 4 h 56 min 26 s
